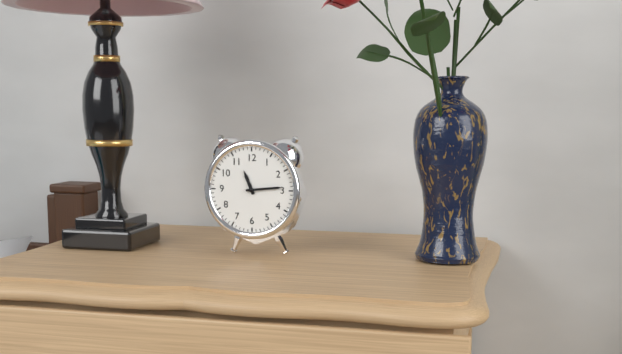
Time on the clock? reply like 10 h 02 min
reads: 11 h 14 min
